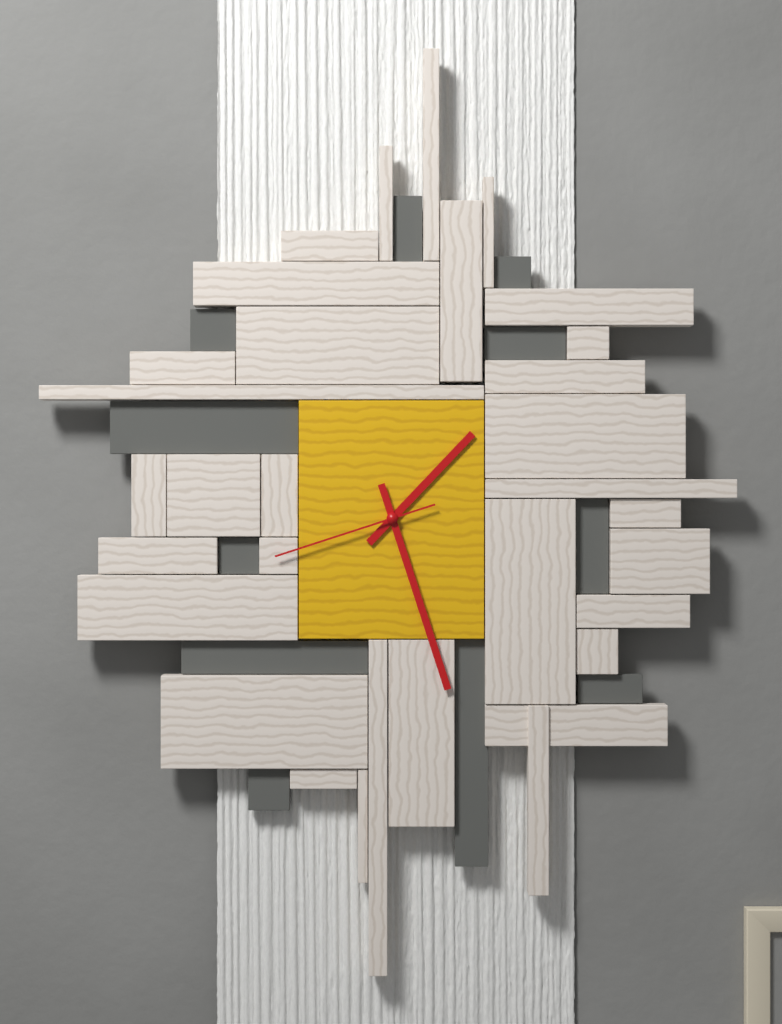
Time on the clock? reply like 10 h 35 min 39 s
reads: 1 h 27 min 42 s
